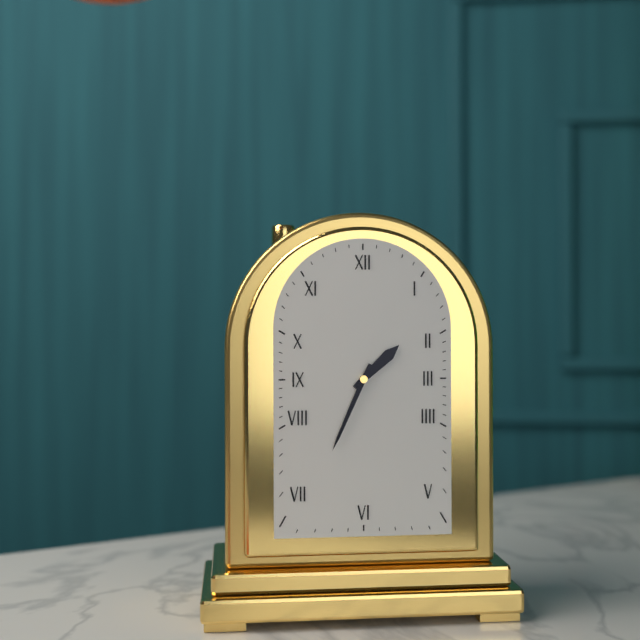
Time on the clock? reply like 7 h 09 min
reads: 1 h 34 min
